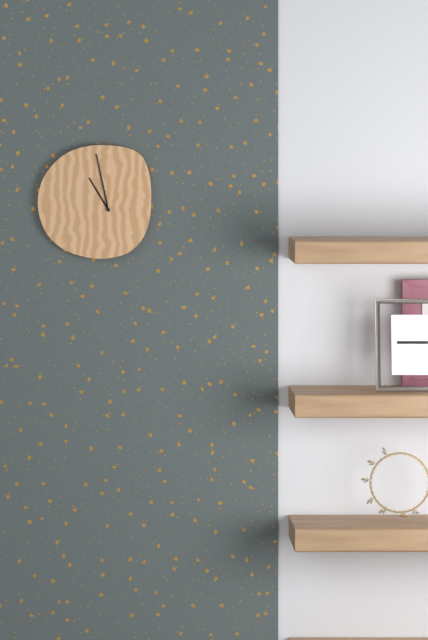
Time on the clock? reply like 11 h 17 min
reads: 10 h 58 min
